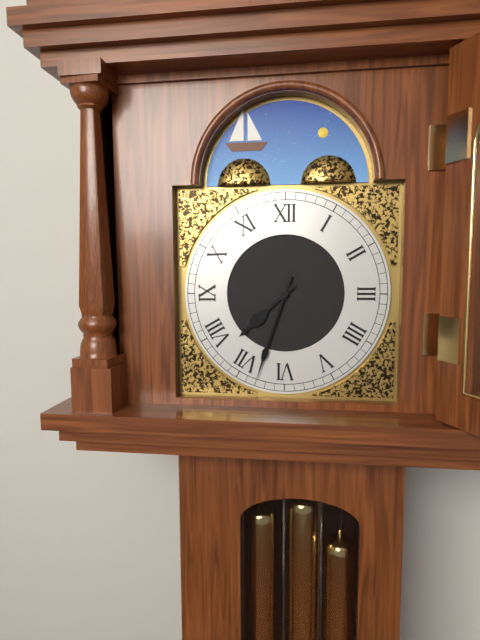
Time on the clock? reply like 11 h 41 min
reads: 7 h 33 min
